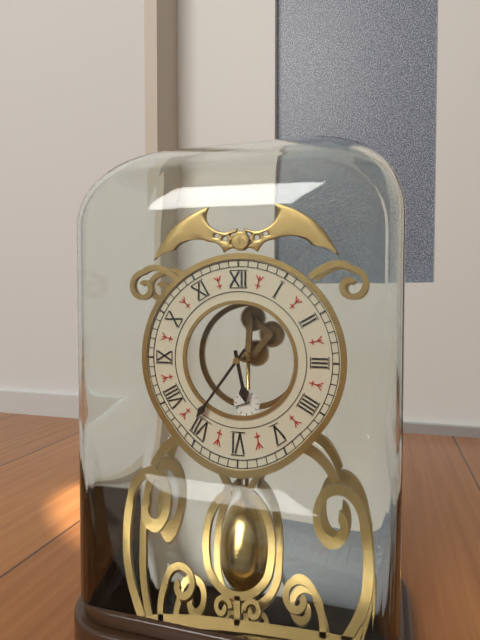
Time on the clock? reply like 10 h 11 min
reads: 5 h 36 min
